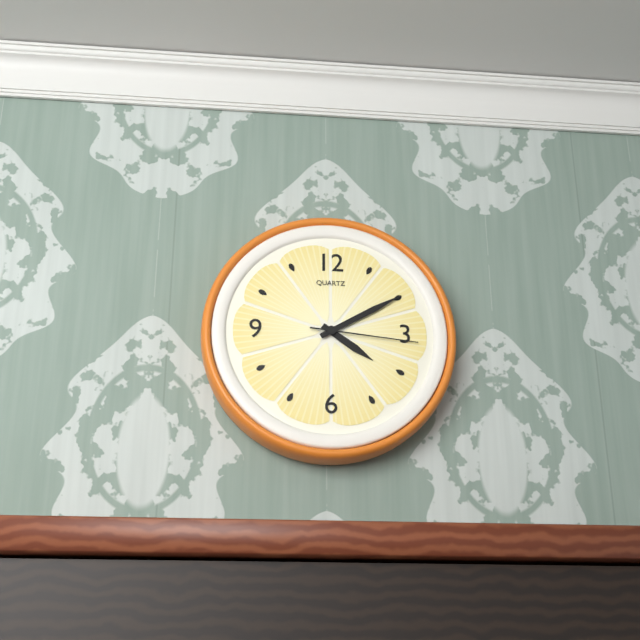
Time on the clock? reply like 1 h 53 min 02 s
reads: 4 h 10 min 16 s
